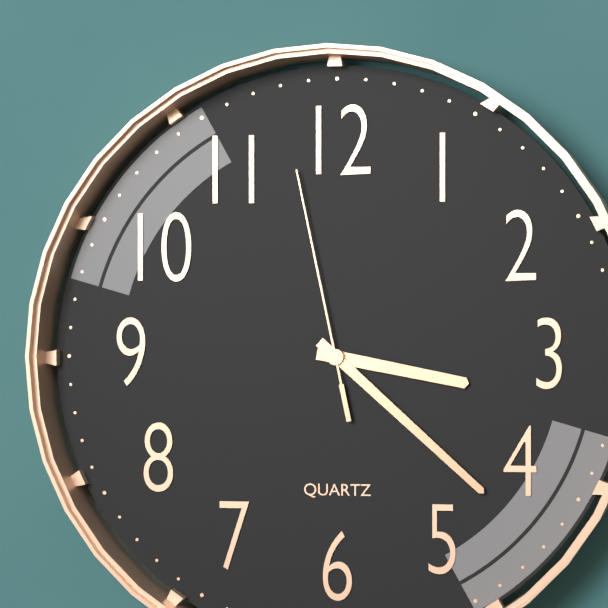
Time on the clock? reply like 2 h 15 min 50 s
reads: 3 h 22 min 58 s
